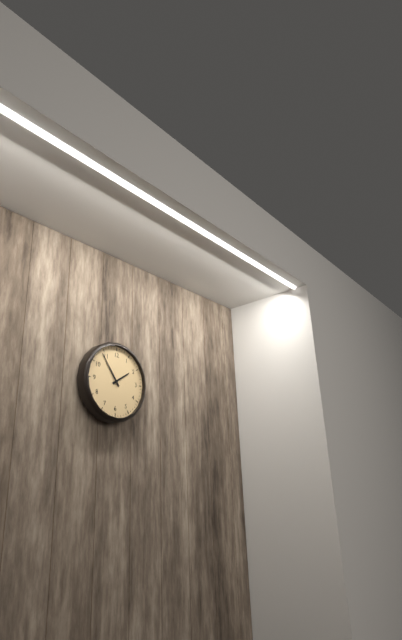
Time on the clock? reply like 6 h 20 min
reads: 1 h 54 min
